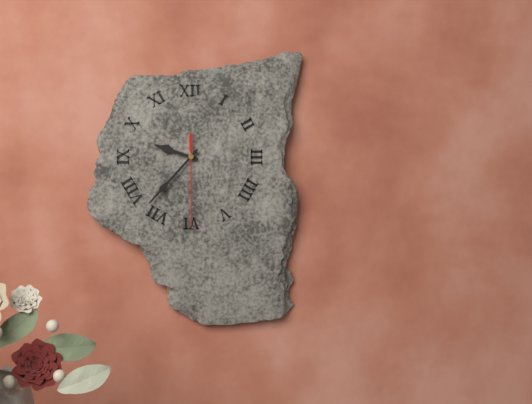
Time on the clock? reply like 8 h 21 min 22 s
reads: 9 h 37 min 30 s
